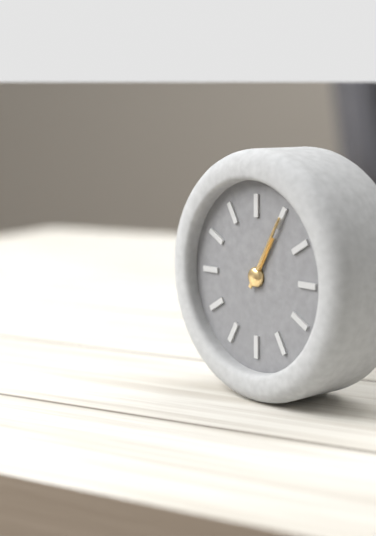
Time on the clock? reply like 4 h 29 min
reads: 1 h 05 min
